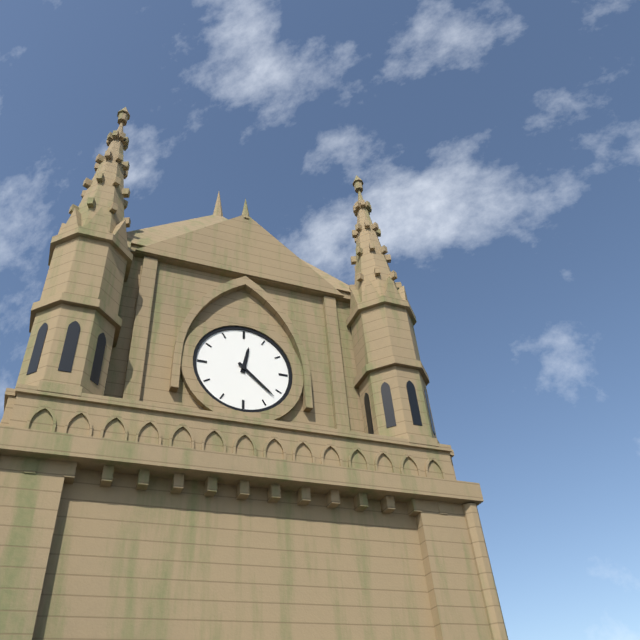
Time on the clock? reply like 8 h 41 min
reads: 12 h 22 min
